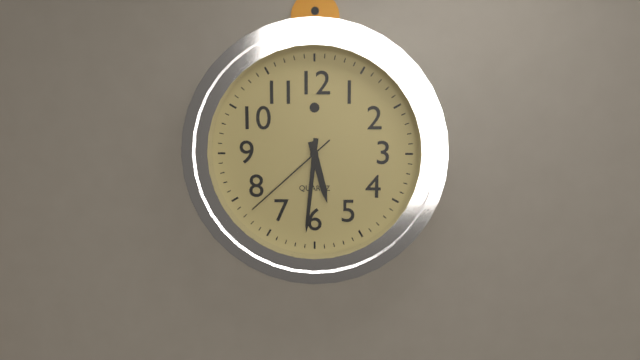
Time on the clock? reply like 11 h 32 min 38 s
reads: 5 h 31 min 38 s
